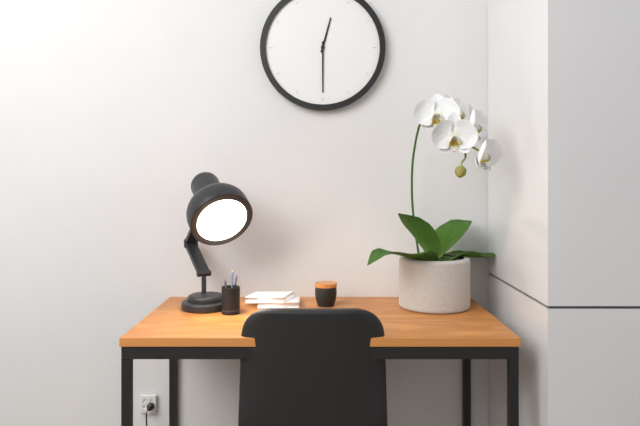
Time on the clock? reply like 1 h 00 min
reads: 12 h 30 min
